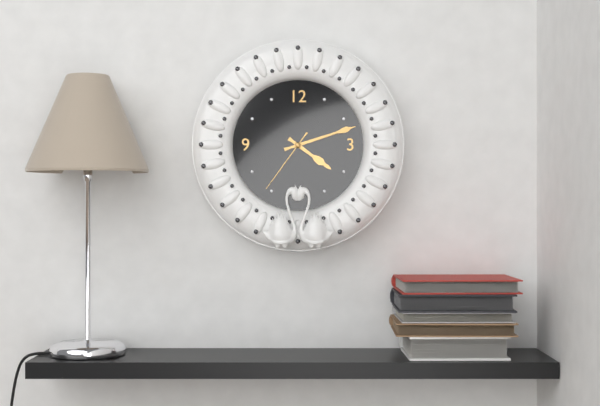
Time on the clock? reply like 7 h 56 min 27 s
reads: 4 h 12 min 36 s
